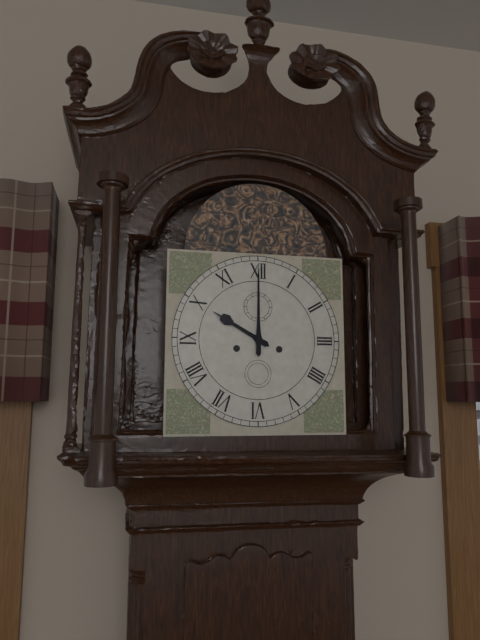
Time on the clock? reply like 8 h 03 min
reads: 10 h 00 min
